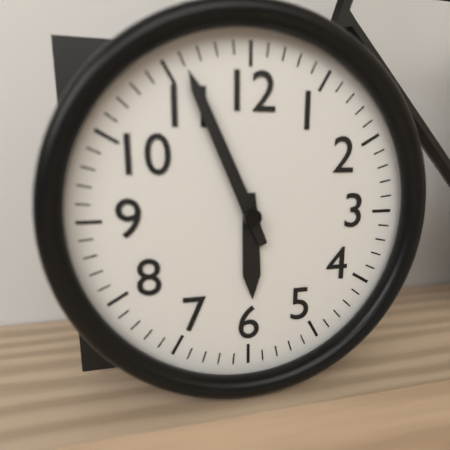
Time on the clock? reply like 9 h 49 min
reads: 5 h 56 min
